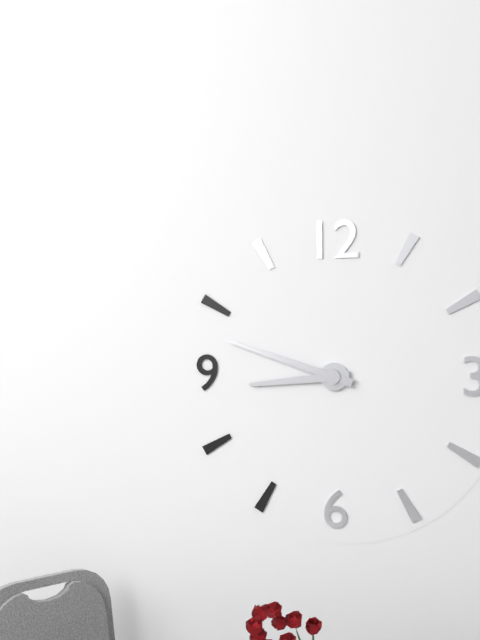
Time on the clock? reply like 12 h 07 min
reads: 8 h 48 min
